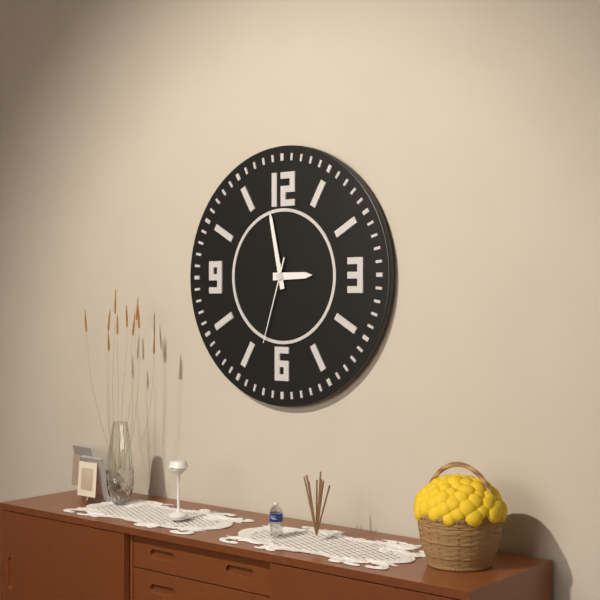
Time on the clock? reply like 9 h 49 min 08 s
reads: 2 h 58 min 33 s
